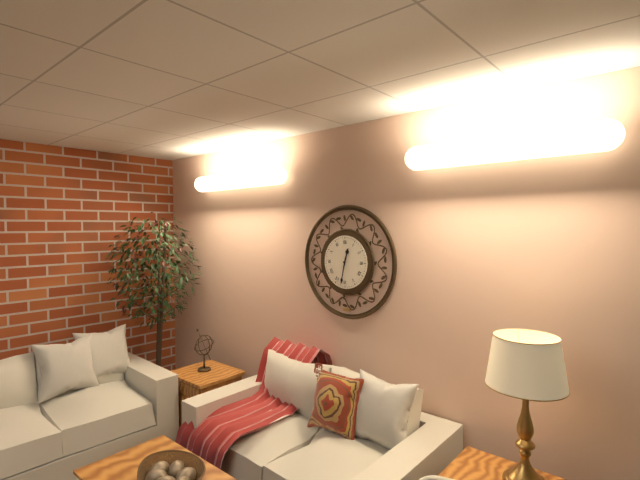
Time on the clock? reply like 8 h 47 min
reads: 12 h 32 min
